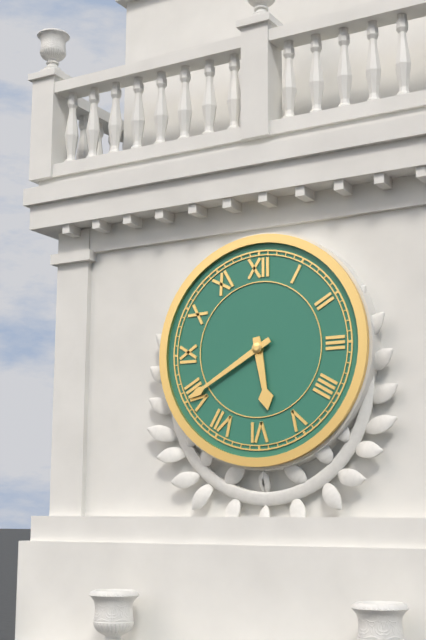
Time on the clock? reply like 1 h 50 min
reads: 5 h 40 min
